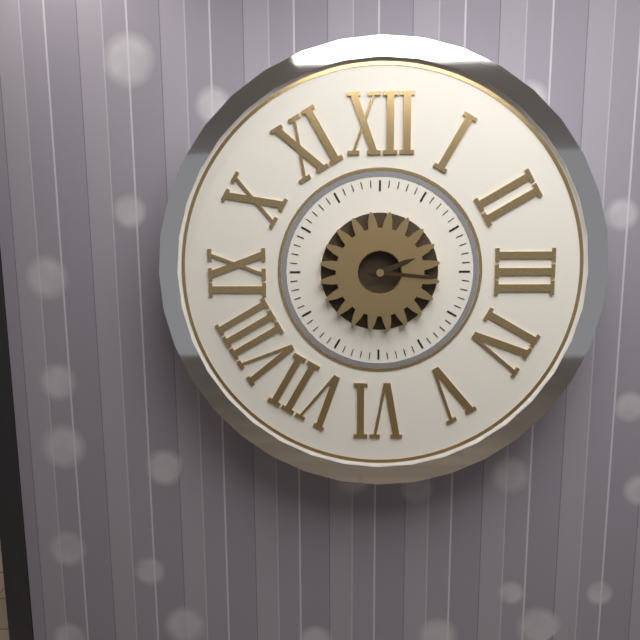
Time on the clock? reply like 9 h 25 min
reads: 2 h 16 min
